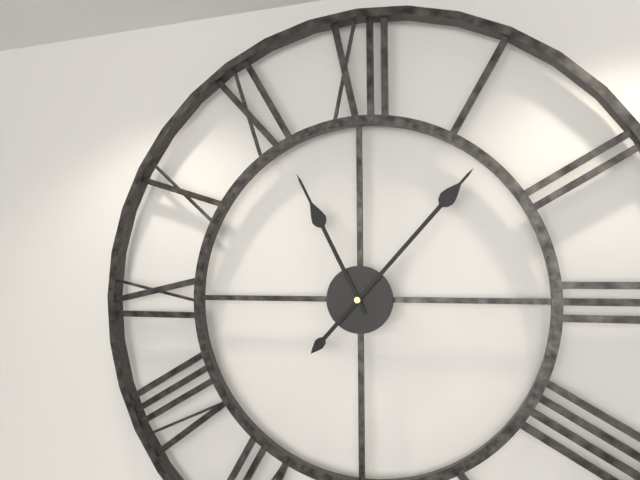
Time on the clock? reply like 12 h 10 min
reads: 11 h 07 min
